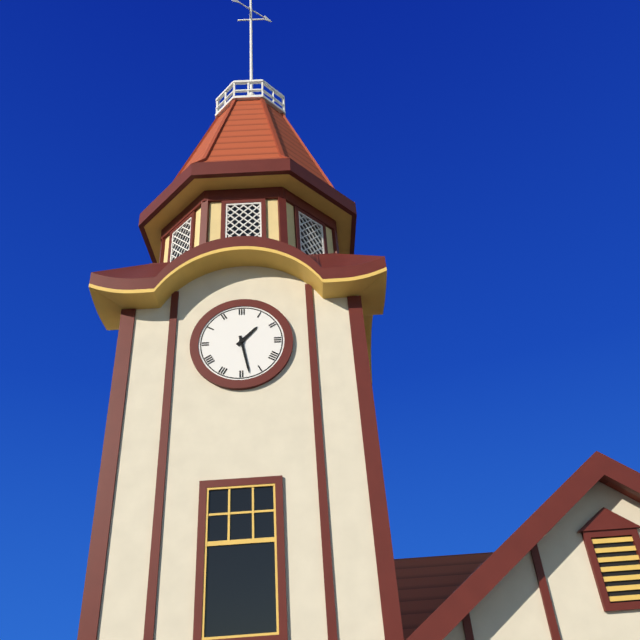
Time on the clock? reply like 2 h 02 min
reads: 1 h 28 min
